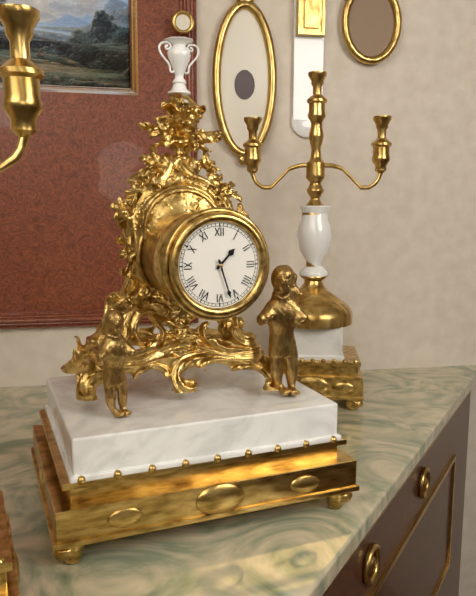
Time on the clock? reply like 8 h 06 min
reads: 1 h 27 min
